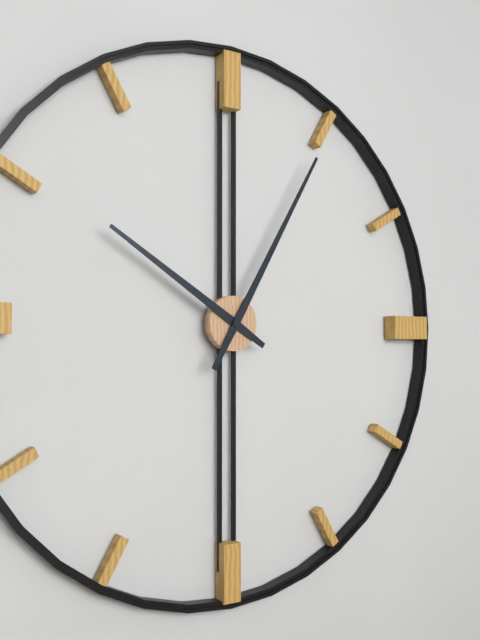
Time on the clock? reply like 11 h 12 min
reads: 10 h 05 min
